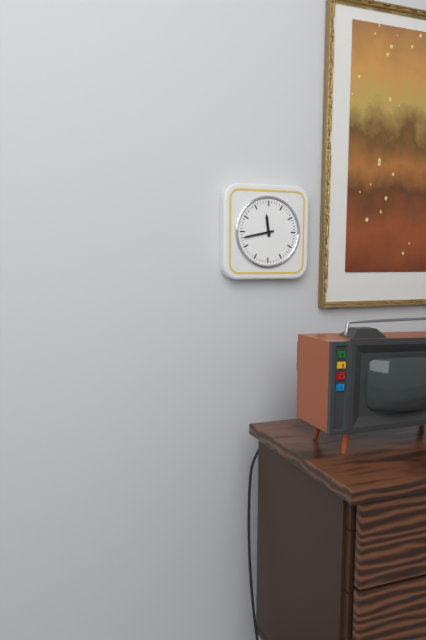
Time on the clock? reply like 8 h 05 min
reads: 11 h 43 min
